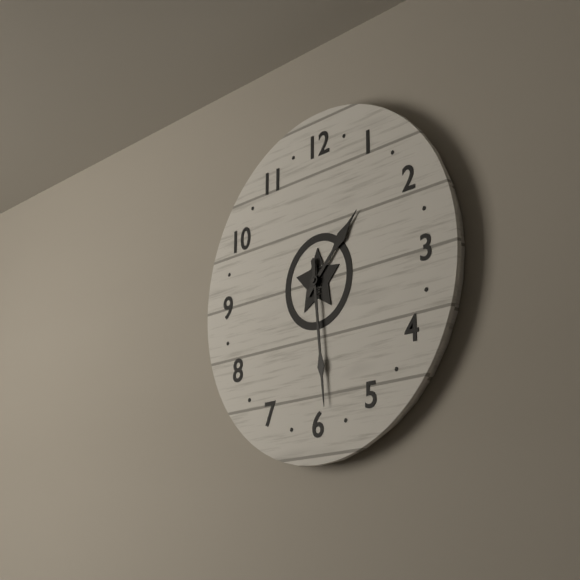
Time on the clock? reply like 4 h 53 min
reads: 1 h 29 min
